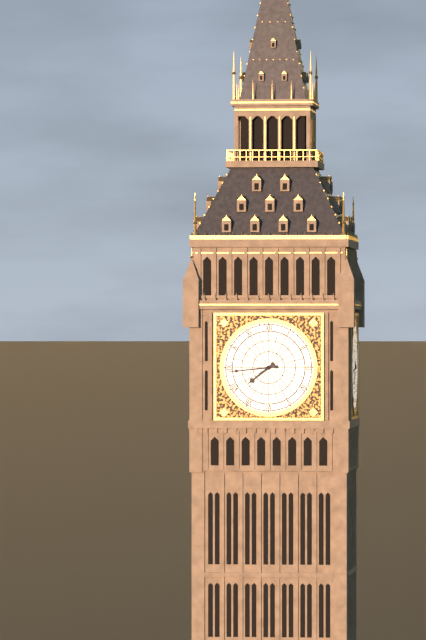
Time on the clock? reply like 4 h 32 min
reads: 7 h 44 min
